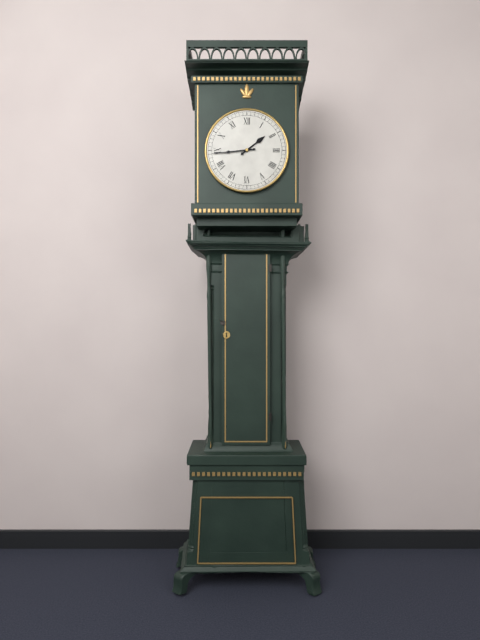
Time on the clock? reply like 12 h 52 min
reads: 1 h 44 min
